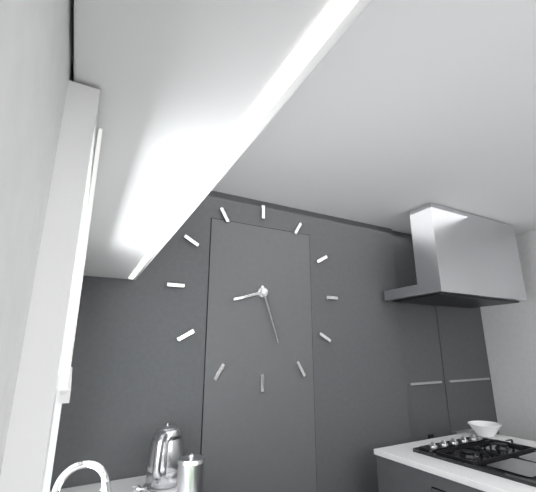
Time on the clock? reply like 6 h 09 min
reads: 8 h 27 min
